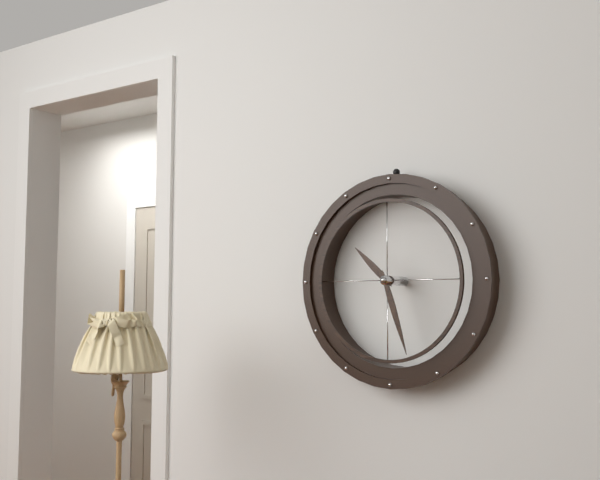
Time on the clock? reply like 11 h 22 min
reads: 10 h 27 min
